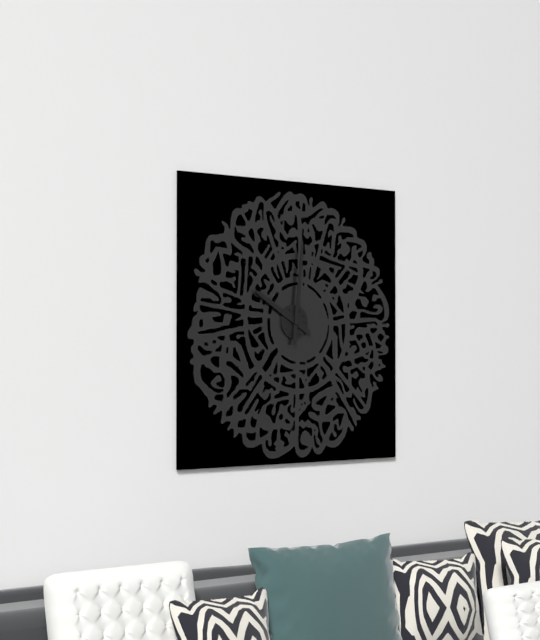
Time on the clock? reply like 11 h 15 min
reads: 10 h 01 min
